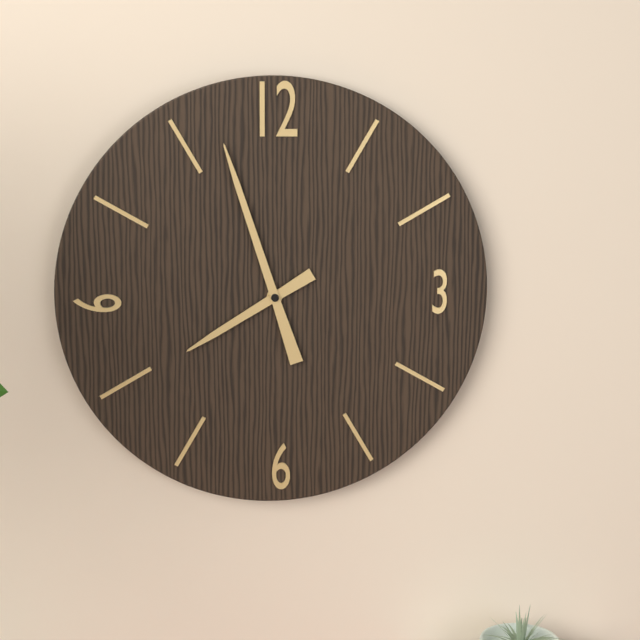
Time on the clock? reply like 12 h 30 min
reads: 7 h 57 min
